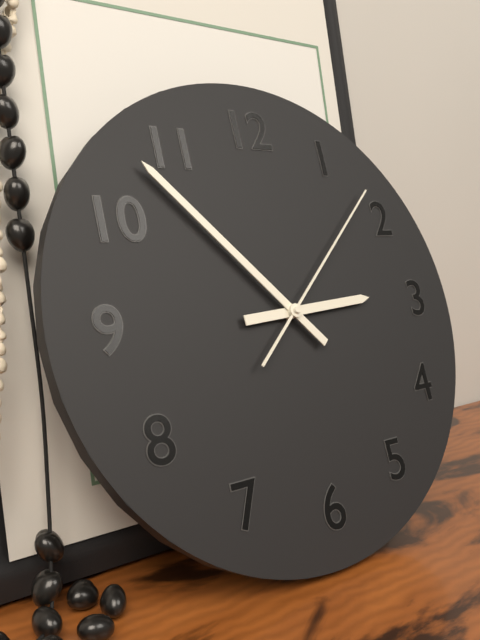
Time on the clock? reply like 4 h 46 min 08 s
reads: 2 h 53 min 08 s
